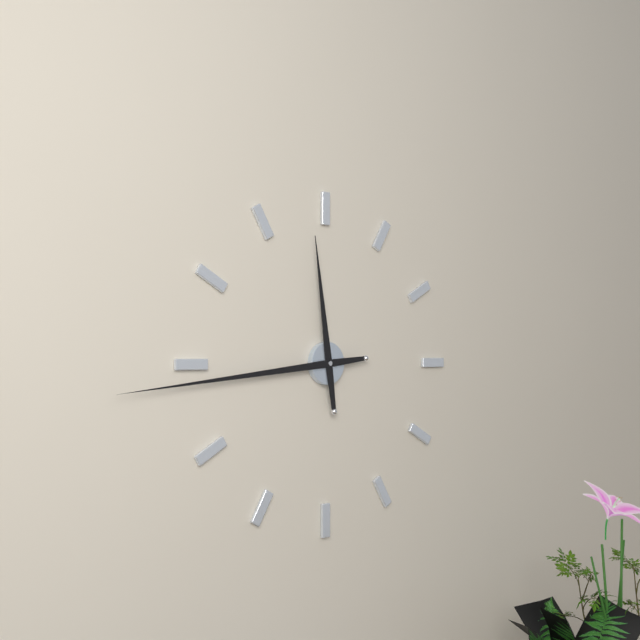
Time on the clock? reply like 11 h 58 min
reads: 11 h 44 min
